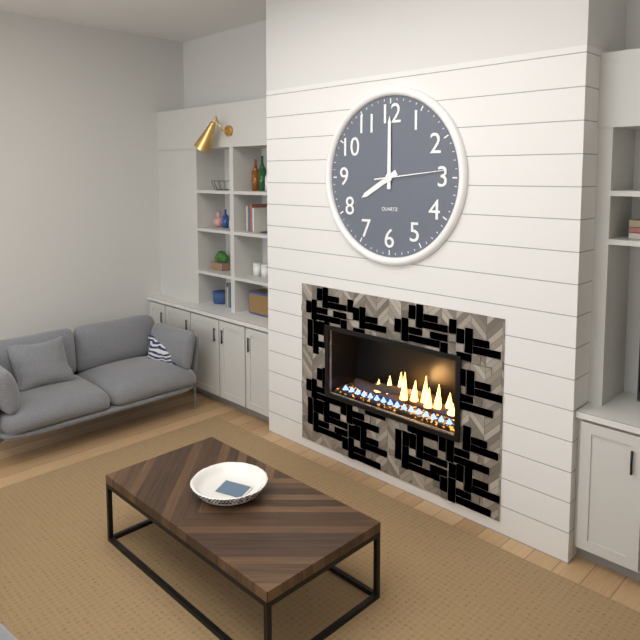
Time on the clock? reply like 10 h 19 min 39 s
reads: 8 h 00 min 14 s
